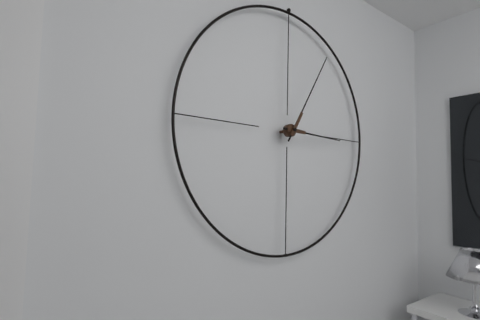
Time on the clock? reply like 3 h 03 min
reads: 3 h 05 min
